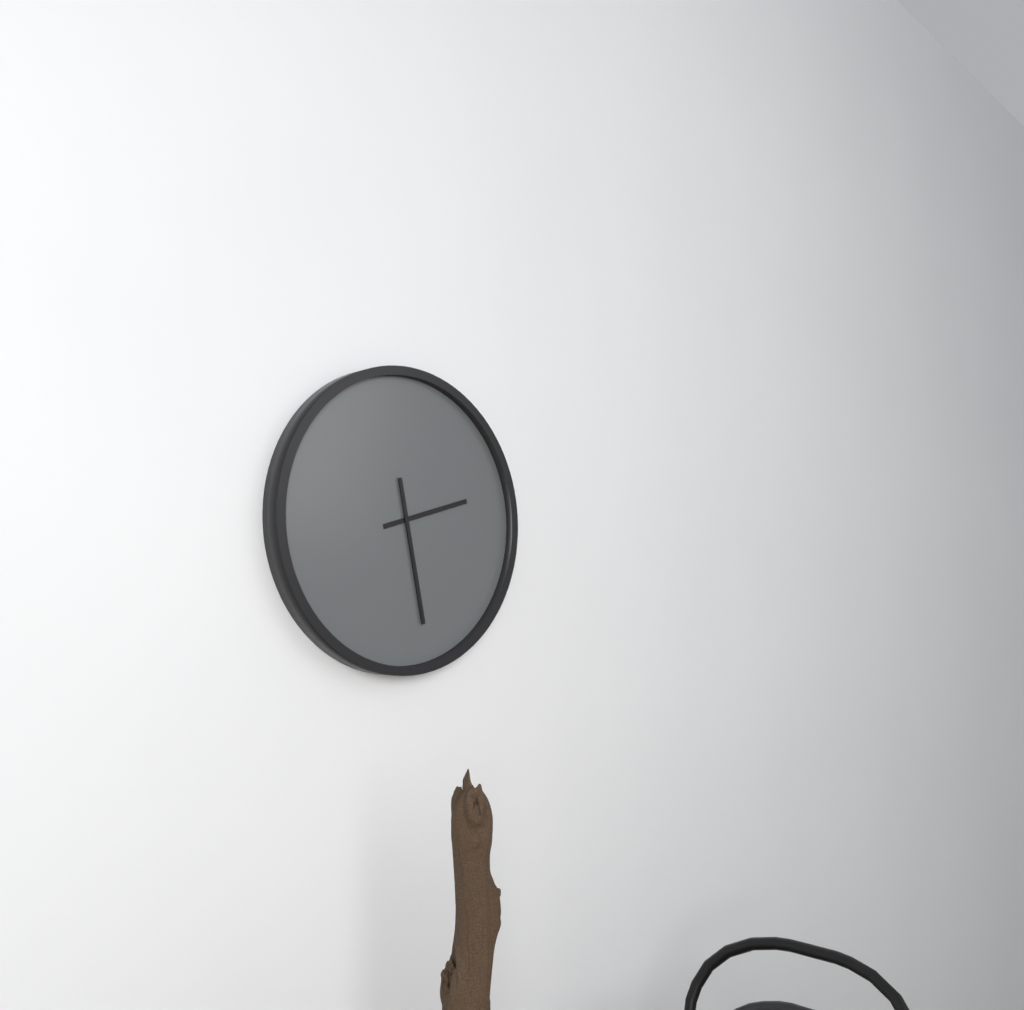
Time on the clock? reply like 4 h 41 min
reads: 2 h 28 min
